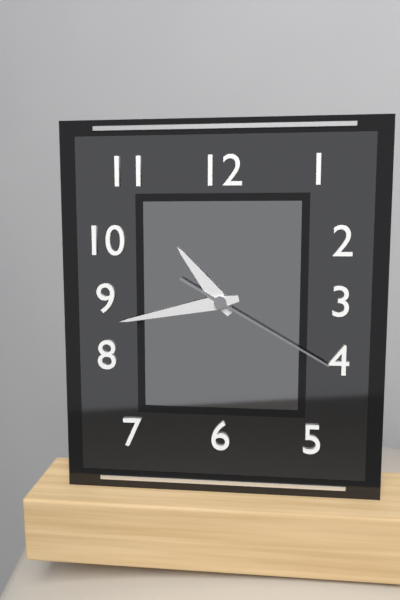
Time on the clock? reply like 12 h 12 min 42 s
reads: 10 h 43 min 20 s
